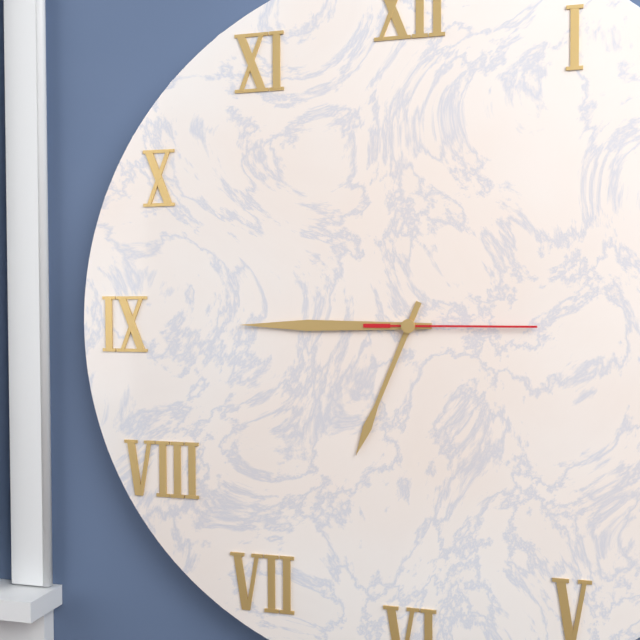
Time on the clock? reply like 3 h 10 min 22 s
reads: 6 h 45 min 15 s
